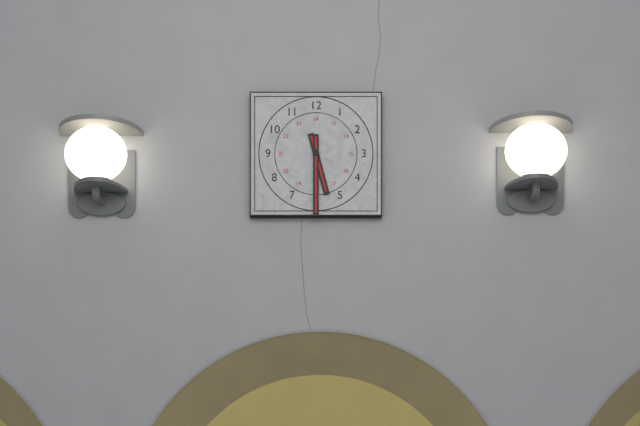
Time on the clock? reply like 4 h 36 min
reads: 5 h 30 min
